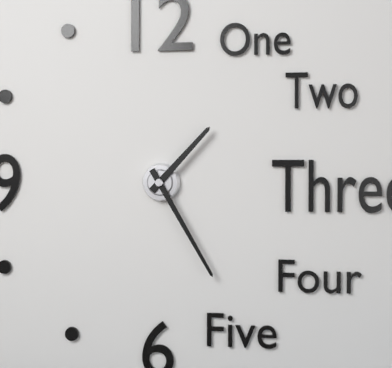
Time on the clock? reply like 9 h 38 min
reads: 1 h 25 min
